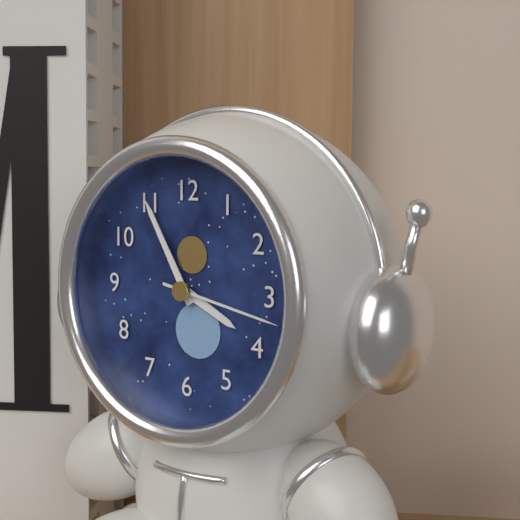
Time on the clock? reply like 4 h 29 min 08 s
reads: 3 h 55 min 17 s
